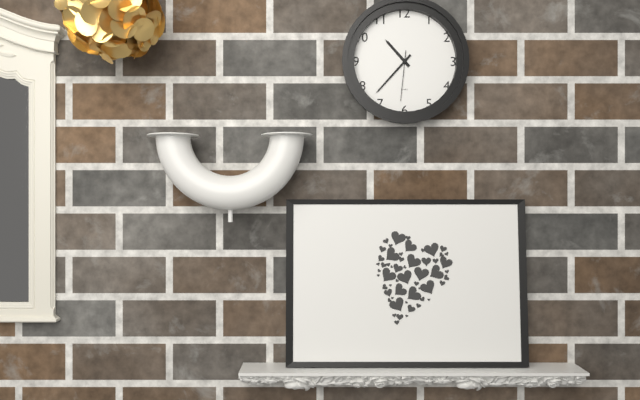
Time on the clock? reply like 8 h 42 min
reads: 10 h 37 min
